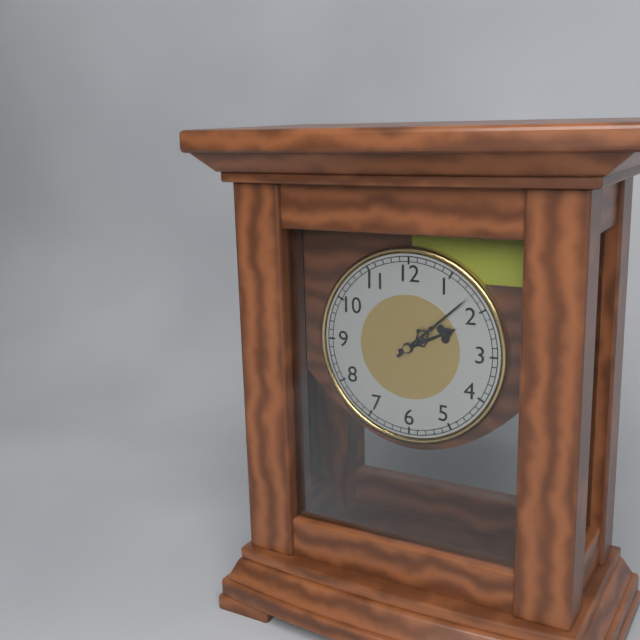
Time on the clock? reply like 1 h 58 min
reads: 2 h 08 min
